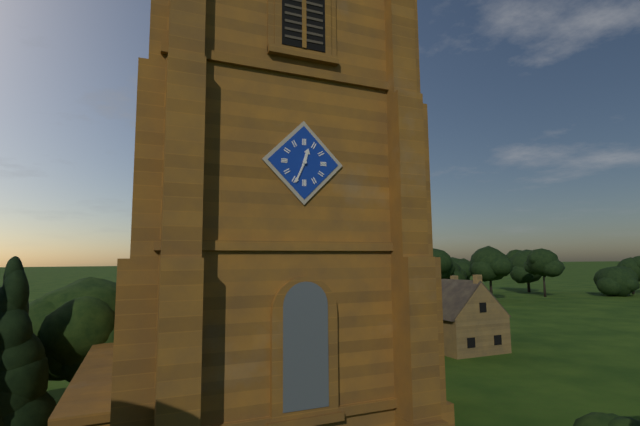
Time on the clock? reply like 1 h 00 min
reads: 12 h 34 min
